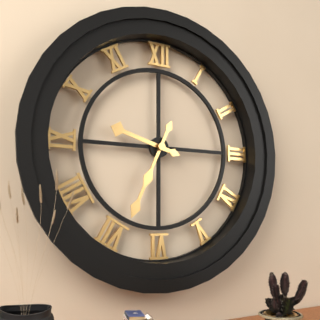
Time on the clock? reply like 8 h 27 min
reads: 9 h 34 min
